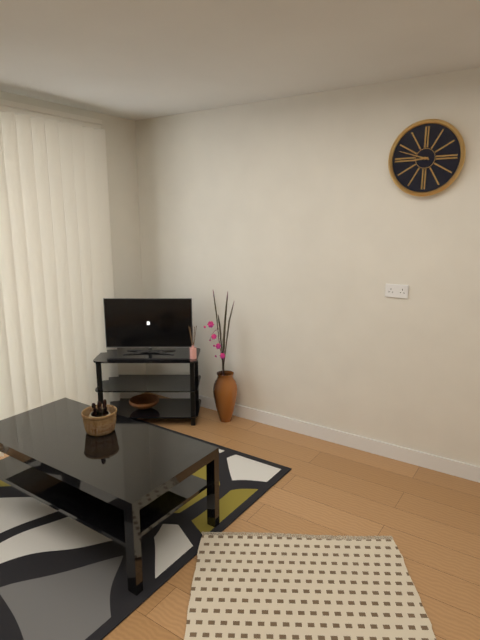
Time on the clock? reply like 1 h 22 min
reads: 8 h 48 min
